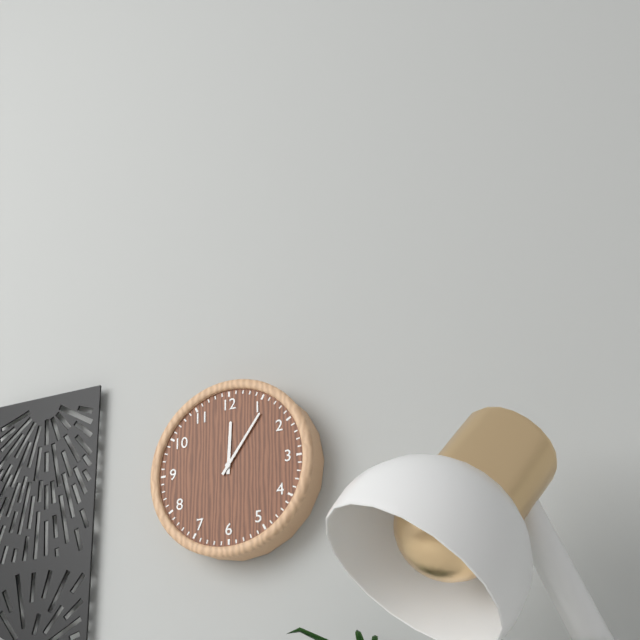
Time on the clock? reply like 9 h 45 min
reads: 12 h 06 min
